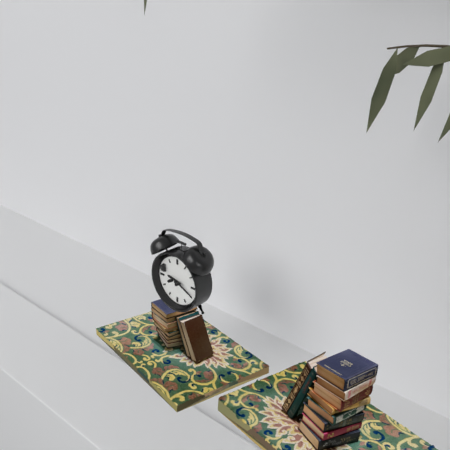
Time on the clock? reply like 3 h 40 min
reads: 9 h 19 min
